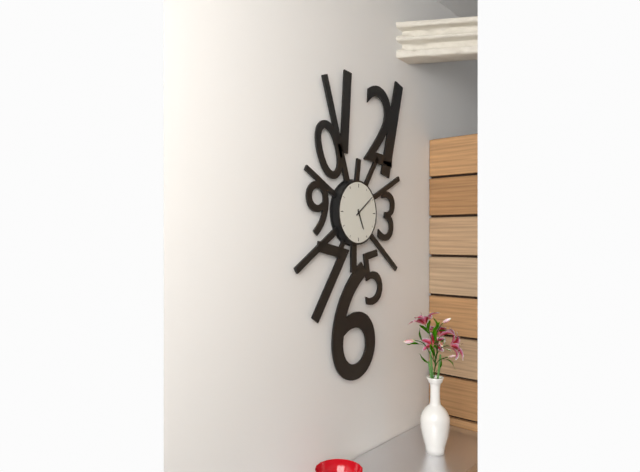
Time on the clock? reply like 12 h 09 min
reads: 5 h 09 min
